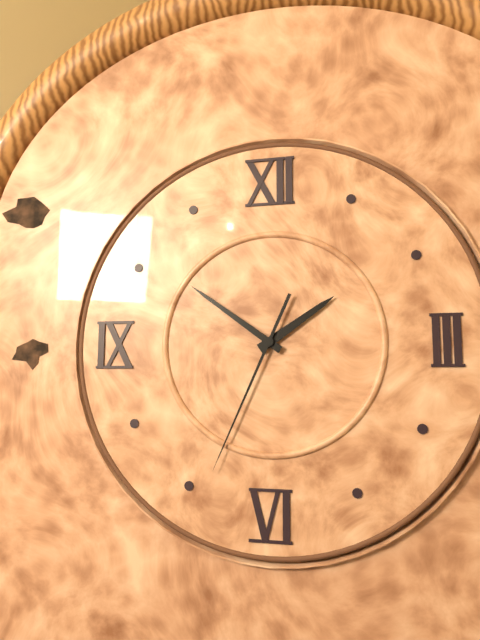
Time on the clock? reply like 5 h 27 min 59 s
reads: 1 h 51 min 34 s
